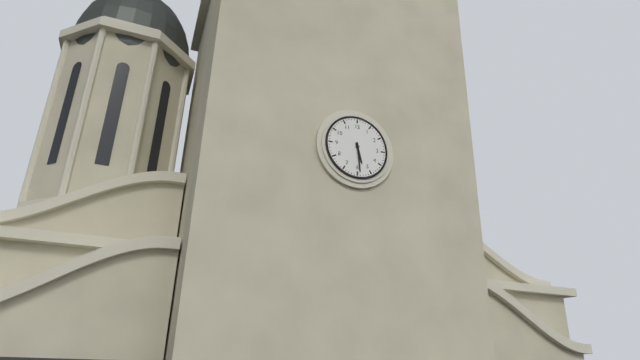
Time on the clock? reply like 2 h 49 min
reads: 5 h 29 min
